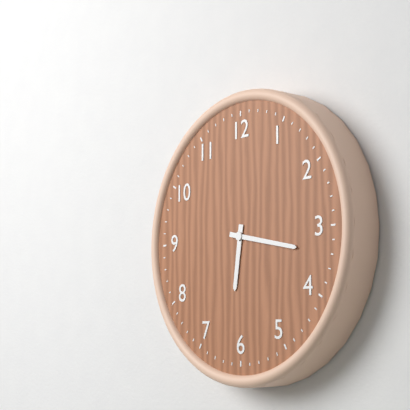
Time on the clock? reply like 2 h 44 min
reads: 6 h 17 min
